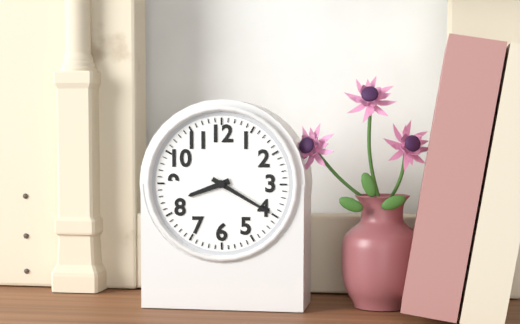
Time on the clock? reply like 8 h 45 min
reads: 8 h 20 min
